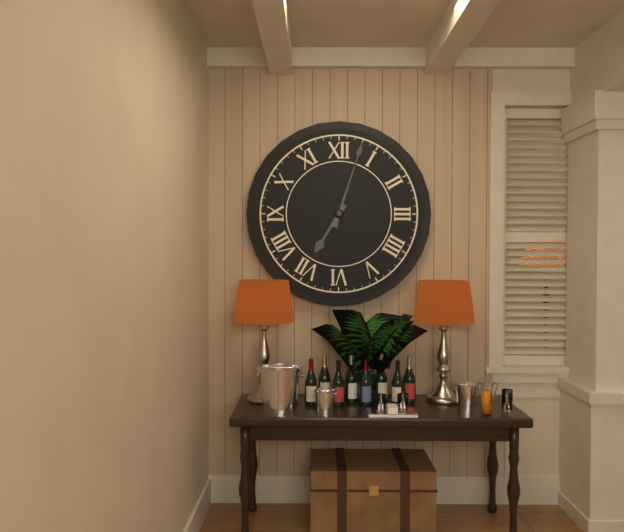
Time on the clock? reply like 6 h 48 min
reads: 7 h 03 min
